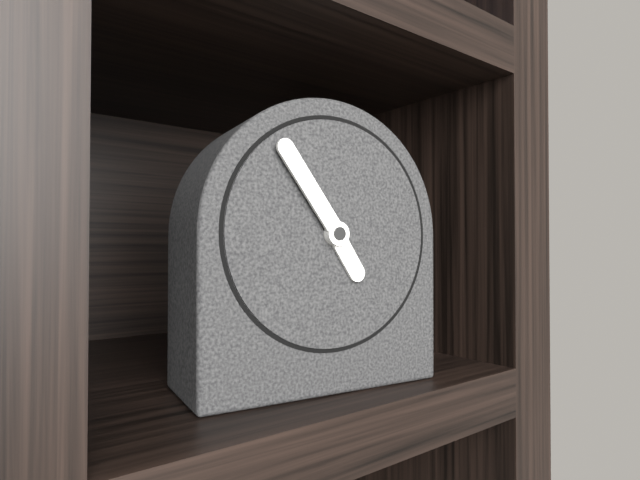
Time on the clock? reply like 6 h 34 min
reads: 4 h 54 min
